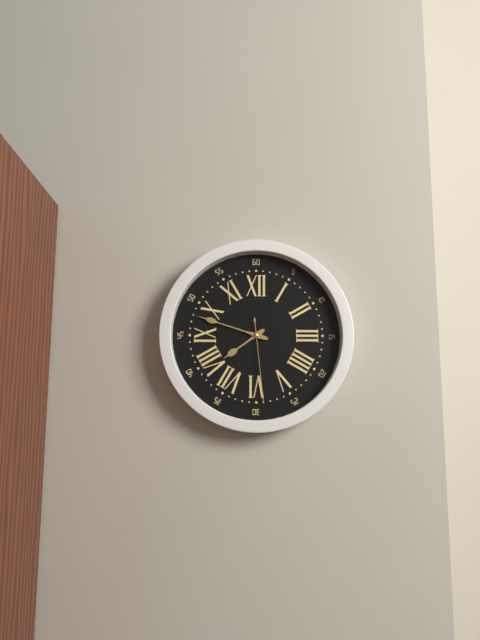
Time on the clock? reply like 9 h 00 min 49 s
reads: 7 h 48 min 29 s
